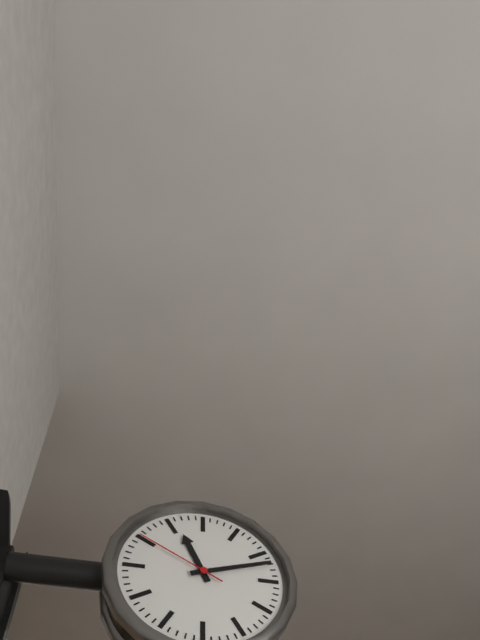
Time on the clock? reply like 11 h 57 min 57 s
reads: 11 h 12 min 50 s
